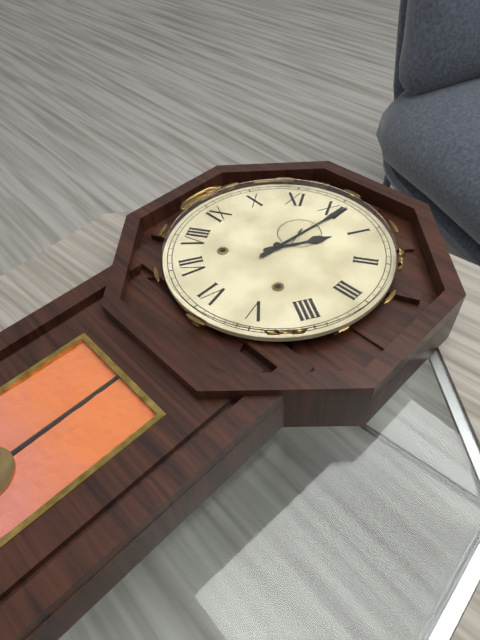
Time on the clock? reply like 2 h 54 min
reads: 1 h 01 min
